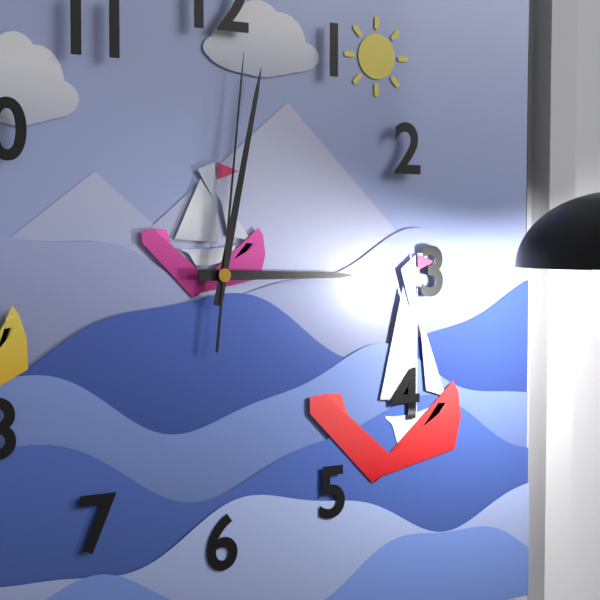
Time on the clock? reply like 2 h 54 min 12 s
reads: 3 h 02 min 01 s
